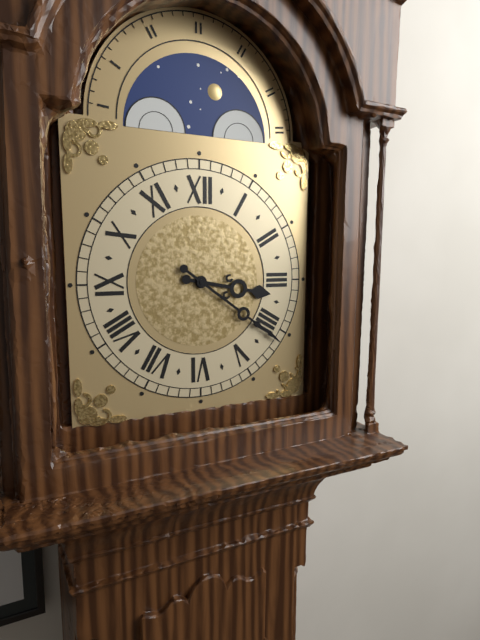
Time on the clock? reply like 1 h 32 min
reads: 3 h 21 min
